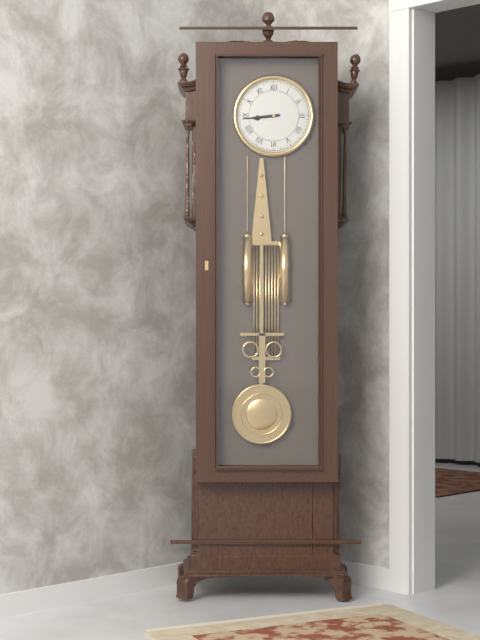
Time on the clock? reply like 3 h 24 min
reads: 8 h 44 min
